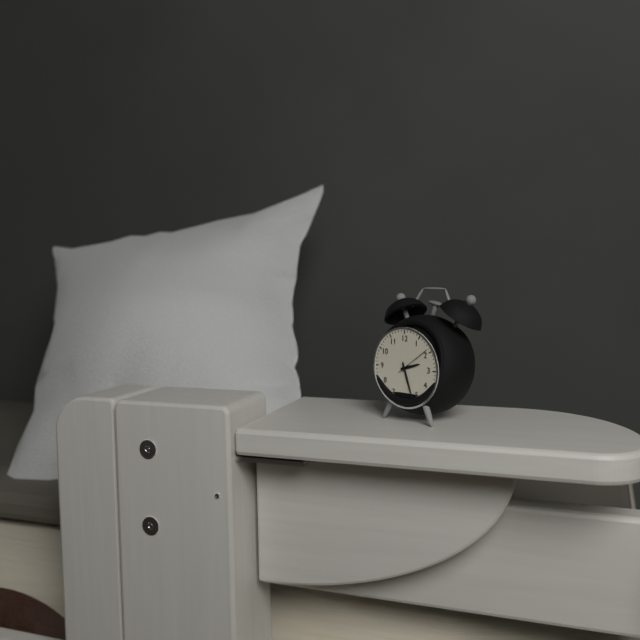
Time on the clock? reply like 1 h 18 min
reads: 2 h 27 min
